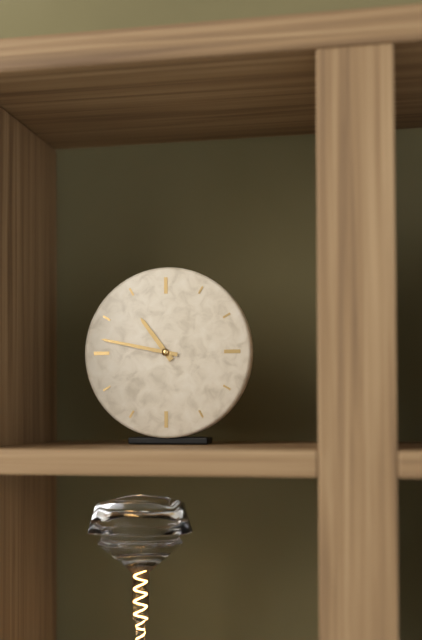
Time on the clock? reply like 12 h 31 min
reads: 10 h 47 min
